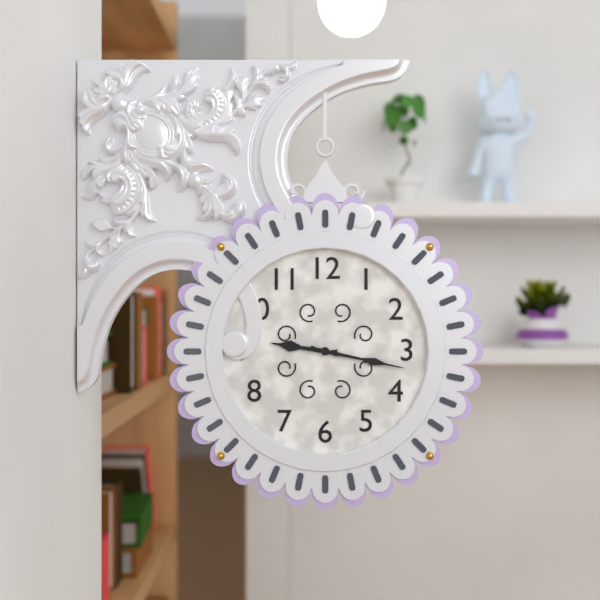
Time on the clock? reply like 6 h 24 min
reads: 9 h 17 min
